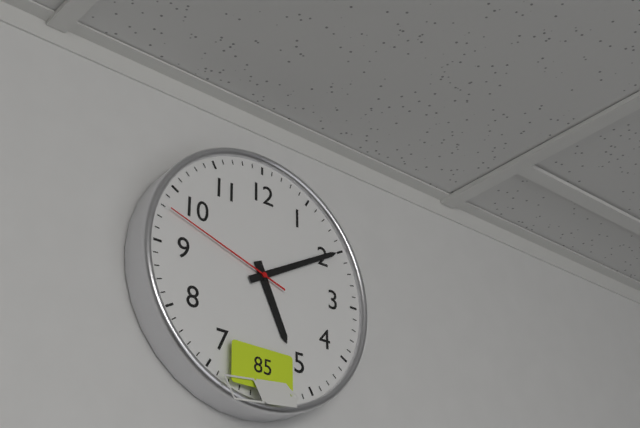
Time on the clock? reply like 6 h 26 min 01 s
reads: 5 h 10 min 48 s
